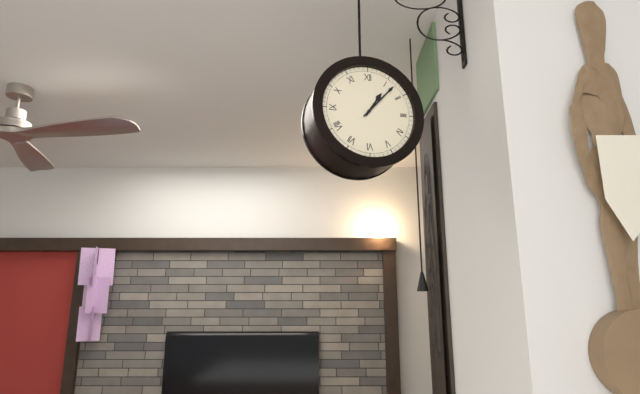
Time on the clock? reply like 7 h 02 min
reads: 1 h 07 min
